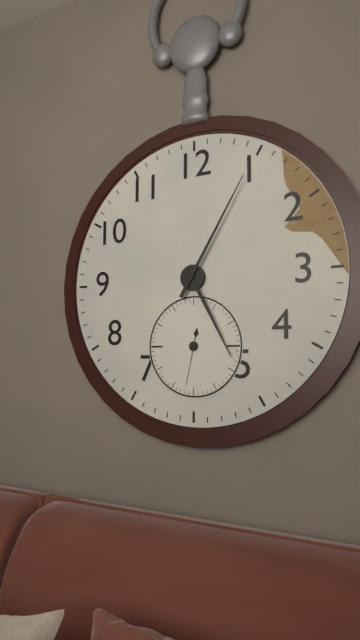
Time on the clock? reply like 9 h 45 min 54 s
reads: 5 h 05 min 32 s
